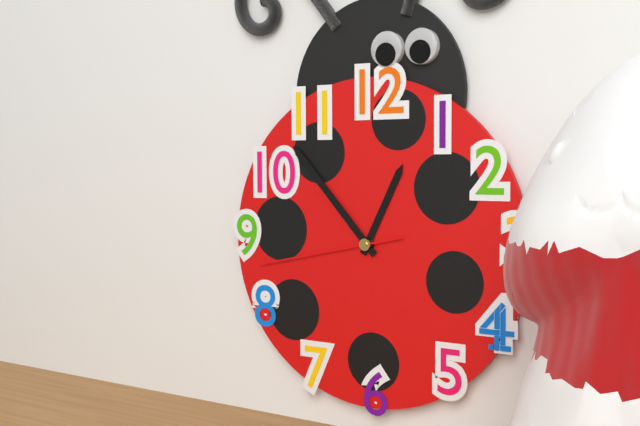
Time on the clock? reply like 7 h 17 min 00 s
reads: 12 h 53 min 43 s
